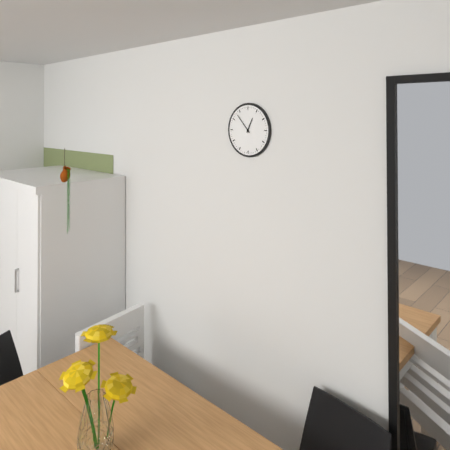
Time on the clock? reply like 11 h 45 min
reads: 12 h 53 min
